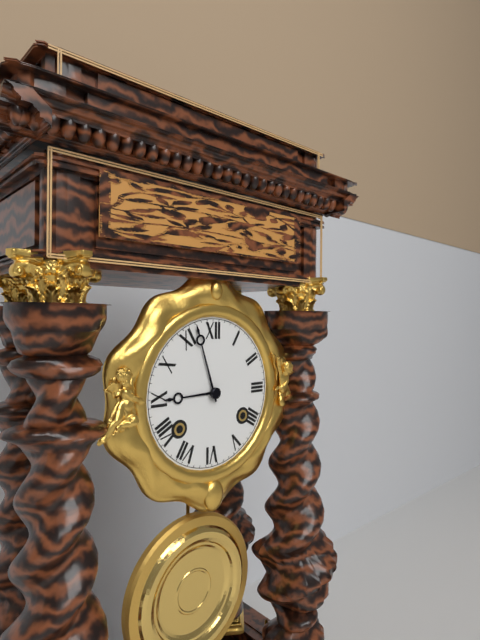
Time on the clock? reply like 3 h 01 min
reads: 8 h 57 min
